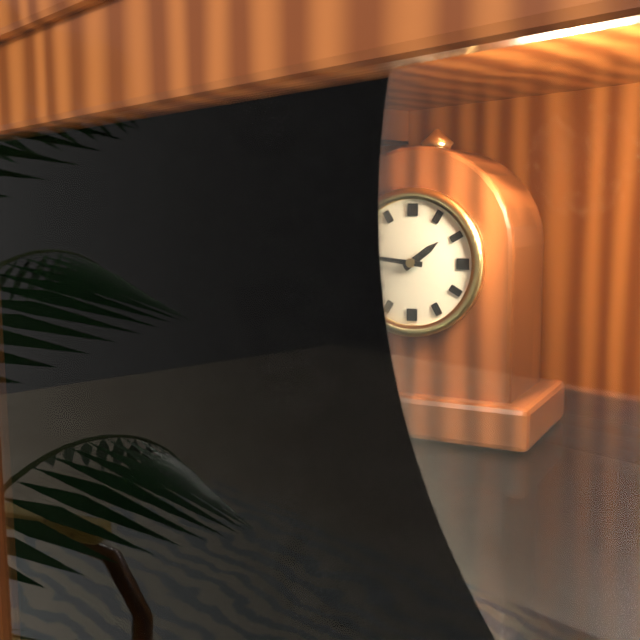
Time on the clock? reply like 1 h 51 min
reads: 1 h 46 min
